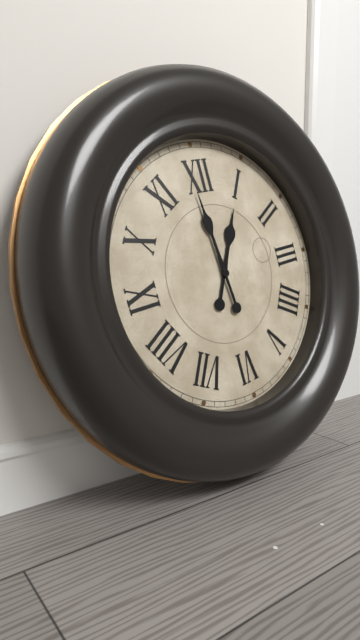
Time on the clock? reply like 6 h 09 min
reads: 12 h 59 min
